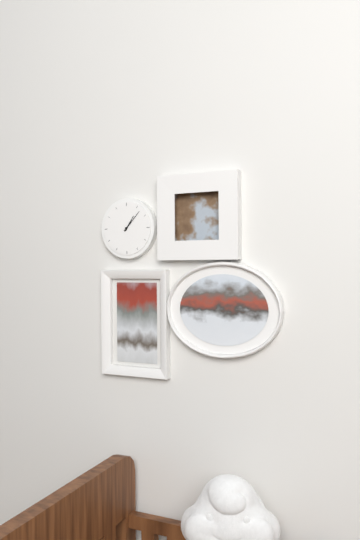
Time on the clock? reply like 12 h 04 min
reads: 1 h 07 min
